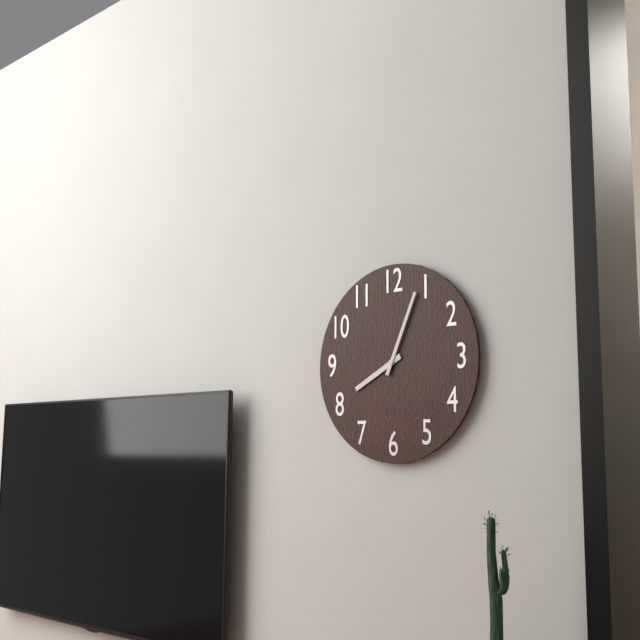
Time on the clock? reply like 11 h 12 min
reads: 8 h 04 min
